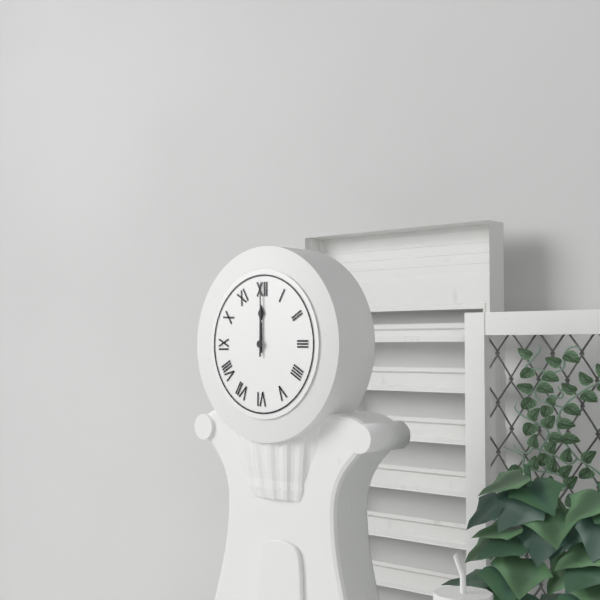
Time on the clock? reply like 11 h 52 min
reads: 12 h 00 min
